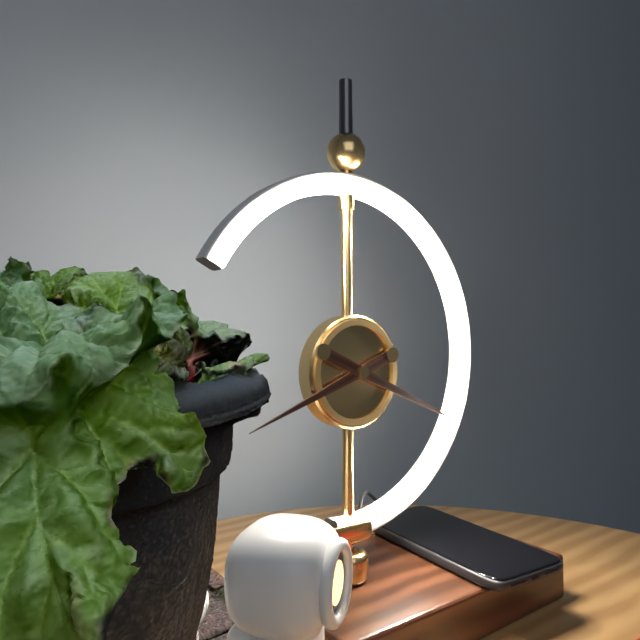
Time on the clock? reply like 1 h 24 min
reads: 8 h 19 min
